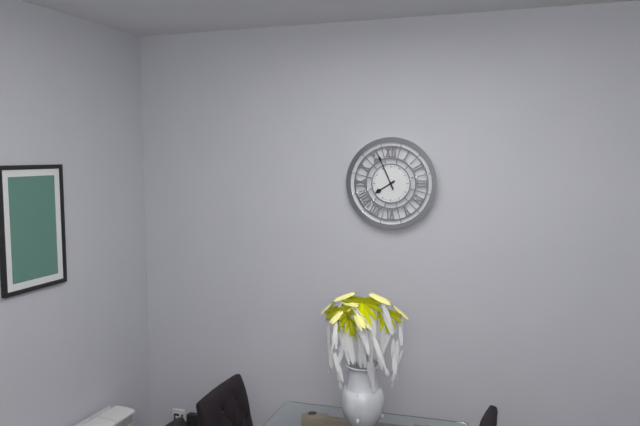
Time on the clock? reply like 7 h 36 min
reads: 7 h 56 min
